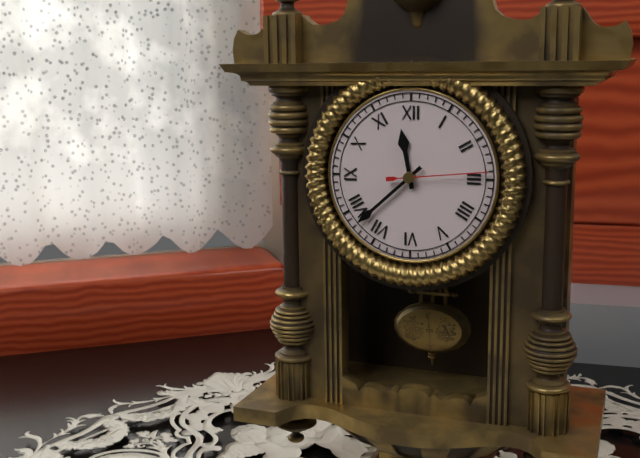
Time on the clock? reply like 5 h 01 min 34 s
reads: 11 h 38 min 14 s
